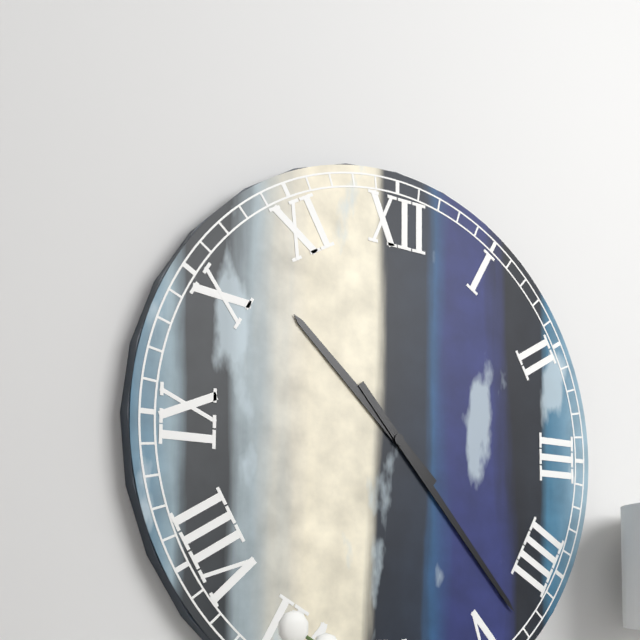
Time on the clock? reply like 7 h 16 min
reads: 10 h 23 min
